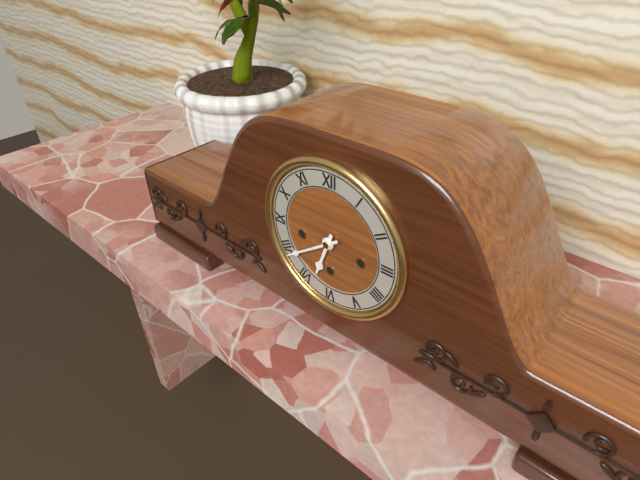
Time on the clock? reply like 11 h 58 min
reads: 6 h 39 min
